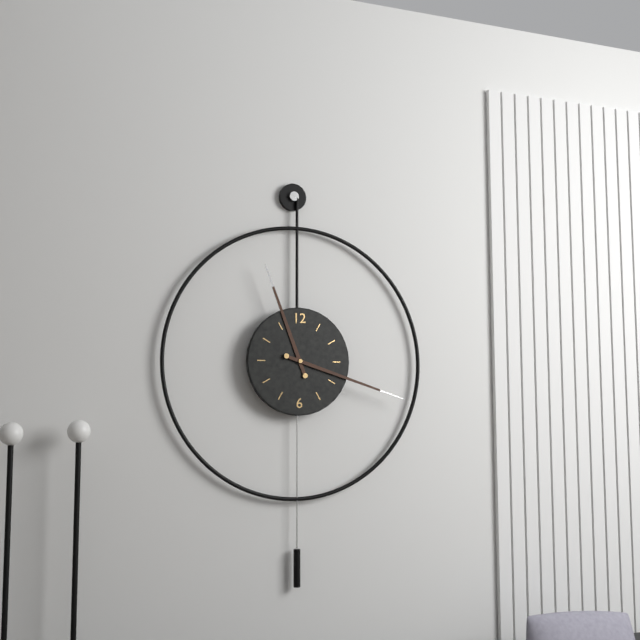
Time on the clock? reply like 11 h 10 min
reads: 11 h 18 min
